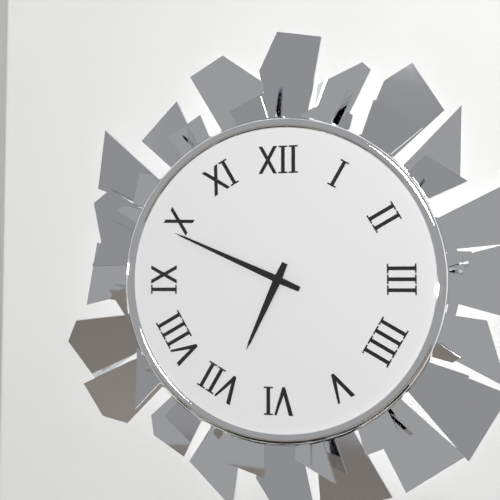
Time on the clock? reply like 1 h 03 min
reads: 6 h 49 min
